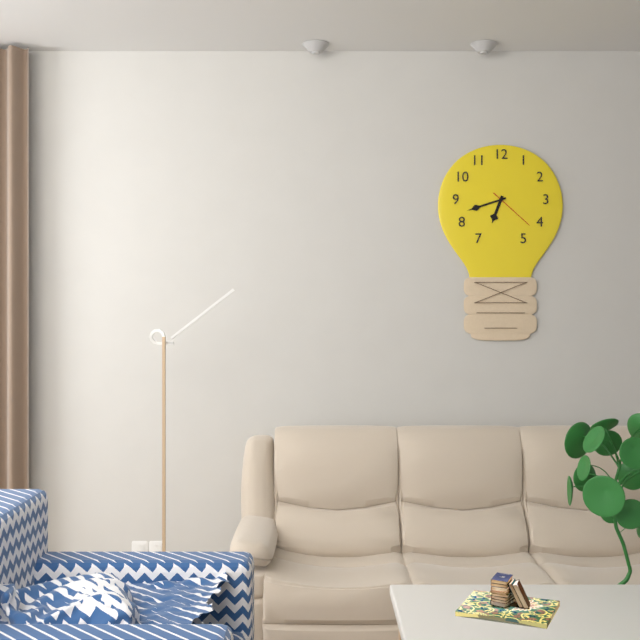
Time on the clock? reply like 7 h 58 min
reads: 6 h 42 min
